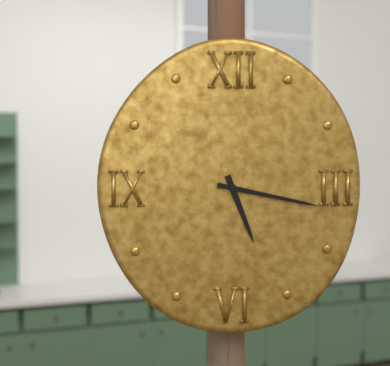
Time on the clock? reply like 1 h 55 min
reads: 5 h 17 min
